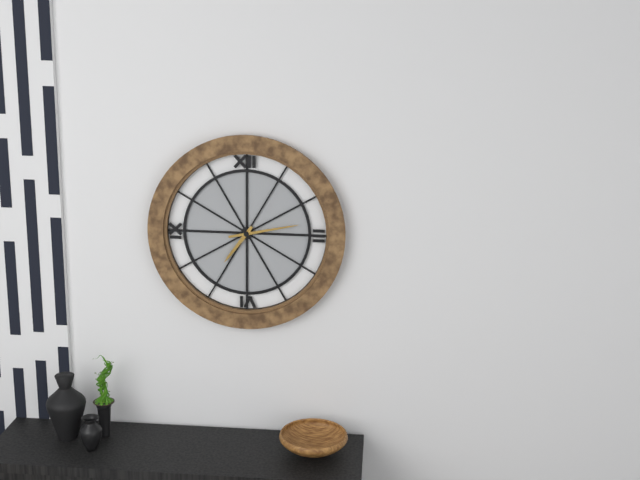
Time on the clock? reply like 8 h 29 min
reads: 7 h 13 min
